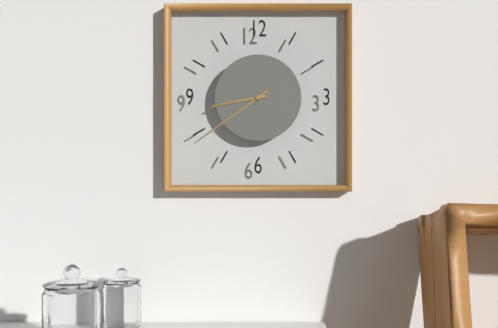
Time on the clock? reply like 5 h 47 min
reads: 8 h 39 min
